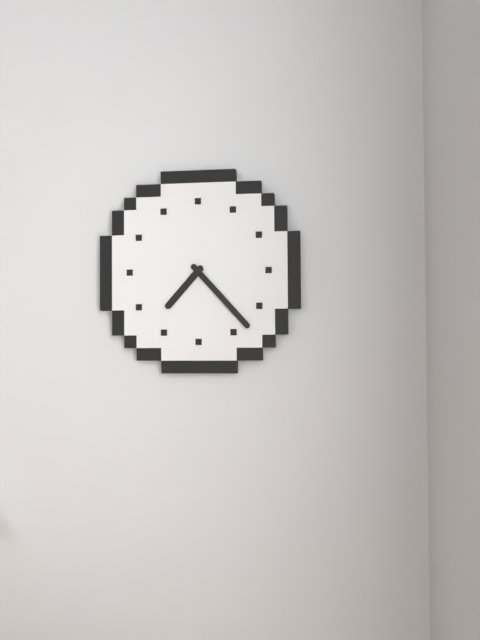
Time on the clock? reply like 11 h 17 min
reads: 7 h 23 min
